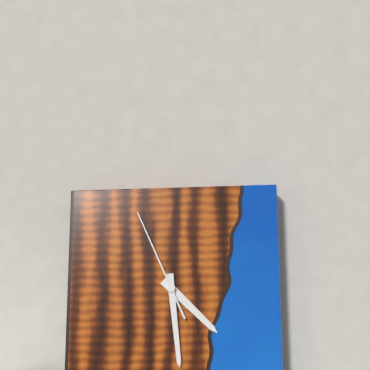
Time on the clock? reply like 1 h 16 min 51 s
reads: 4 h 29 min 56 s
